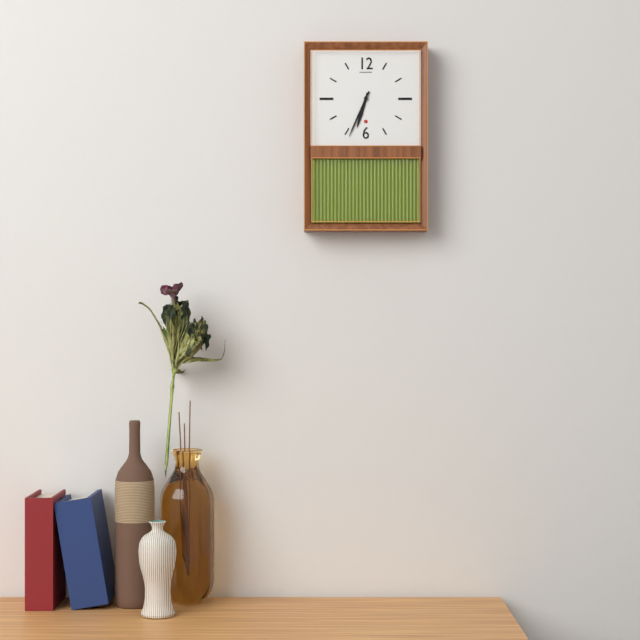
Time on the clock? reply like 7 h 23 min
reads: 6 h 34 min
